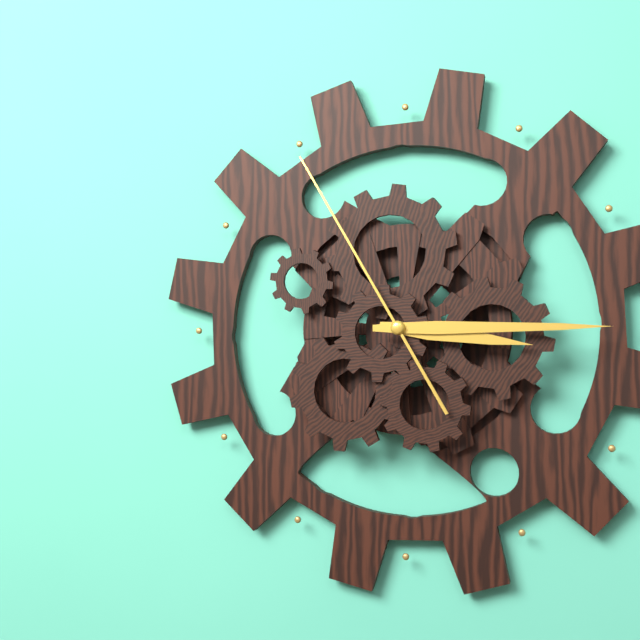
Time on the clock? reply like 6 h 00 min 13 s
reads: 3 h 15 min 55 s
